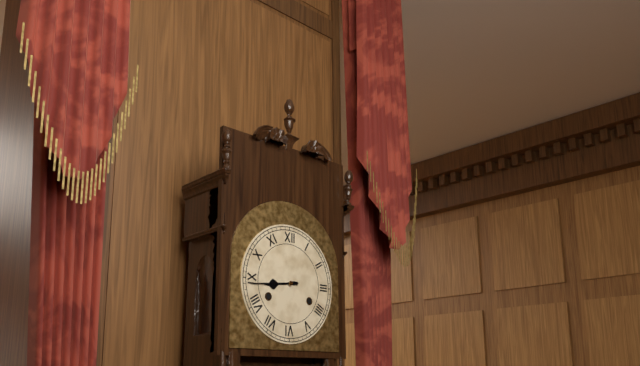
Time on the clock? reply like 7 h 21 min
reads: 8 h 44 min
